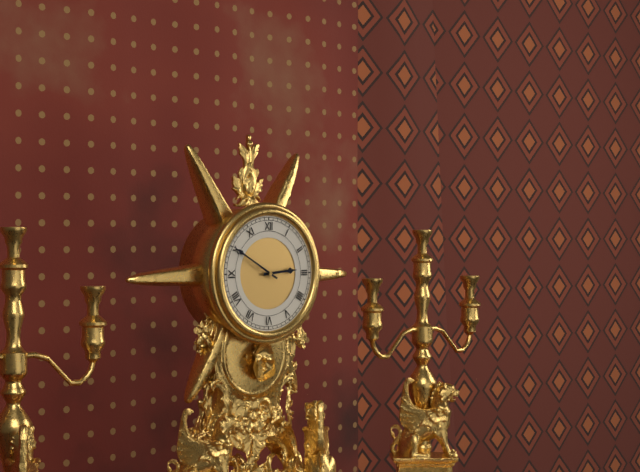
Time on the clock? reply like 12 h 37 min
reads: 2 h 50 min
